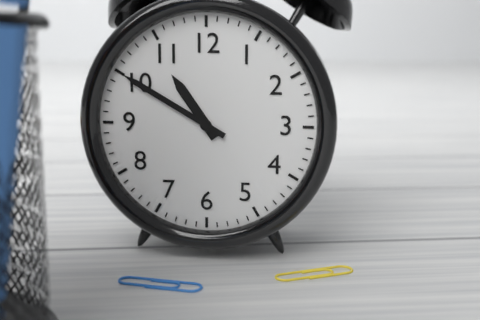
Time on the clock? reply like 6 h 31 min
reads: 10 h 50 min
